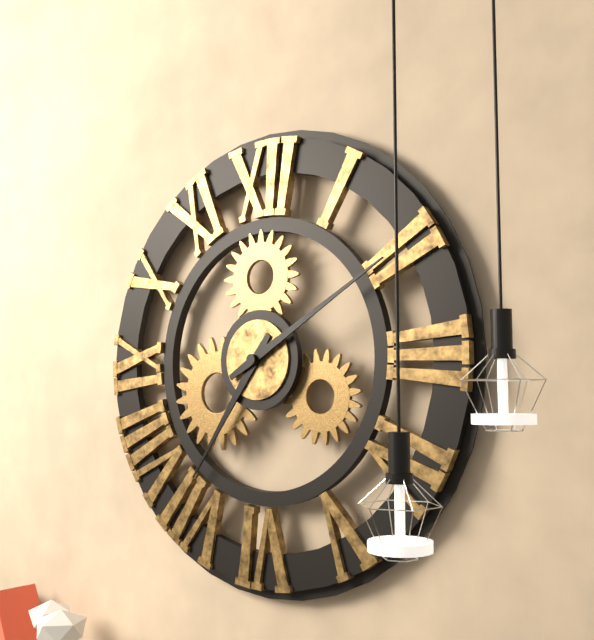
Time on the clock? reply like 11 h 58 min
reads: 7 h 10 min
